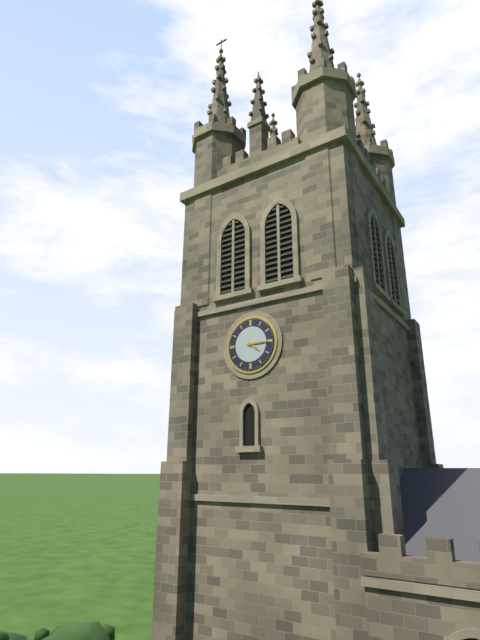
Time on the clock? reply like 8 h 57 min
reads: 4 h 15 min
